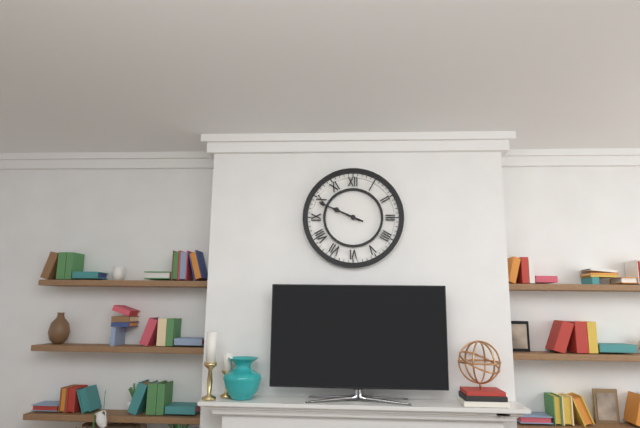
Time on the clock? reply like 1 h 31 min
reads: 9 h 49 min
